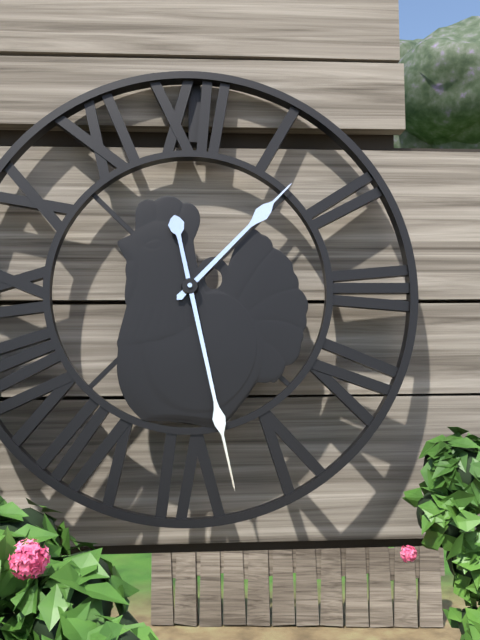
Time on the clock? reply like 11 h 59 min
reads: 1 h 28 min
